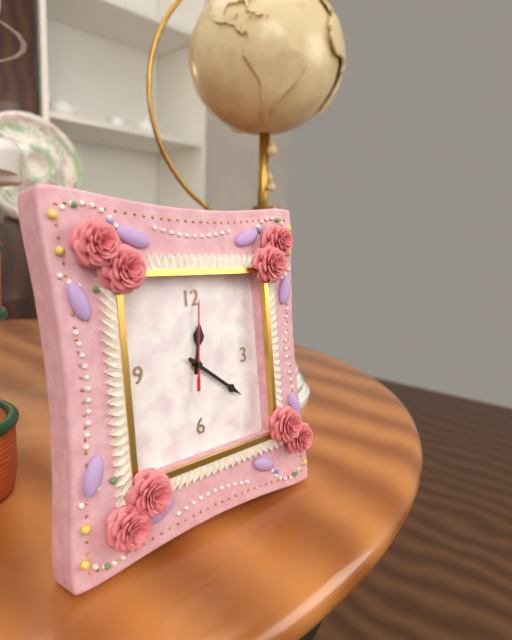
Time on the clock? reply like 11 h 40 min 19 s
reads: 12 h 21 min 01 s
